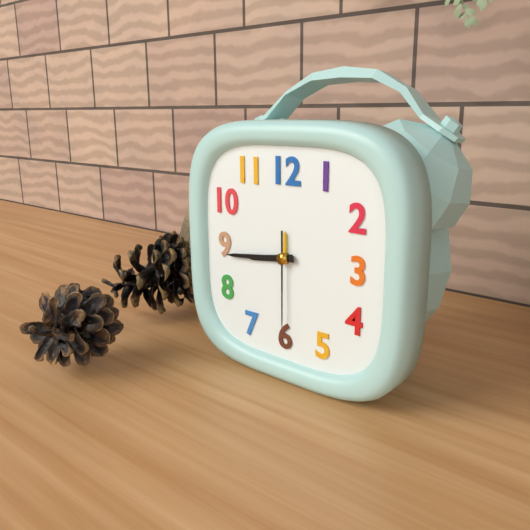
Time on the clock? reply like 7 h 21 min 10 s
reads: 8 h 44 min 30 s
